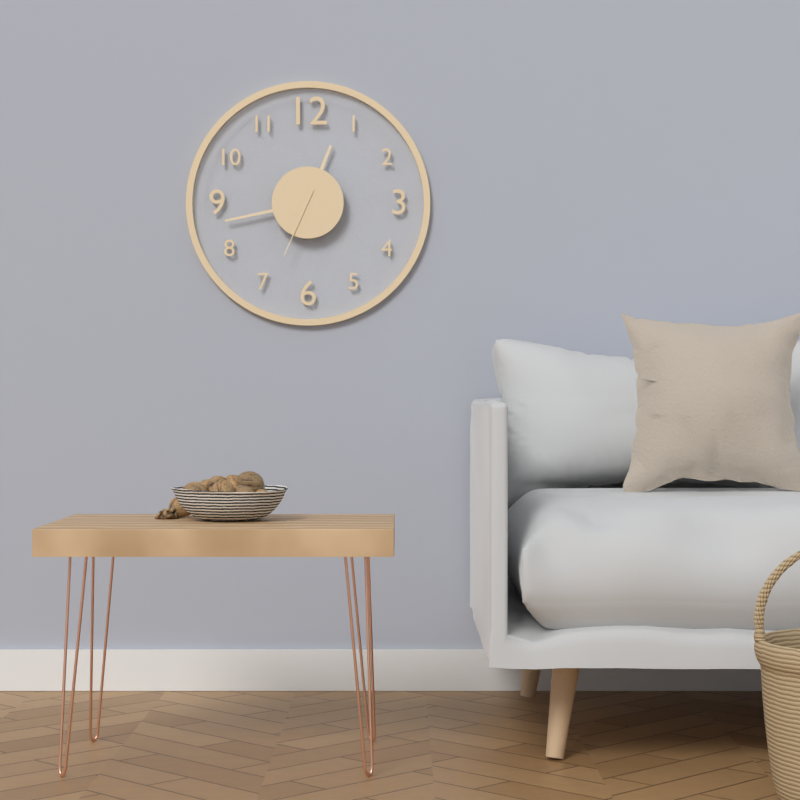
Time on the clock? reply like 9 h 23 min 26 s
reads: 12 h 43 min 34 s
